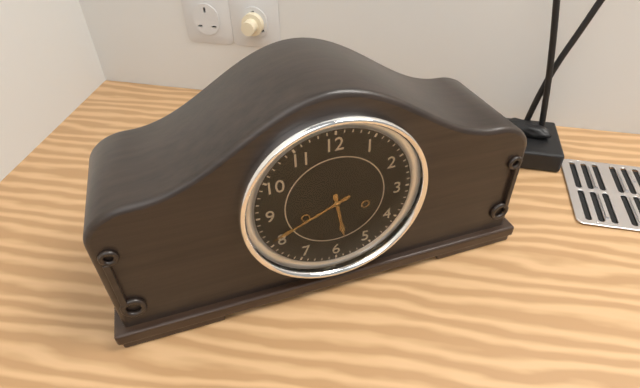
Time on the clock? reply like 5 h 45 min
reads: 5 h 41 min
